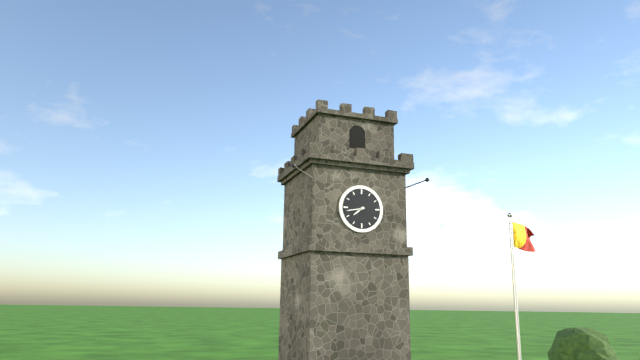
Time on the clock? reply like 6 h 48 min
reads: 7 h 43 min
